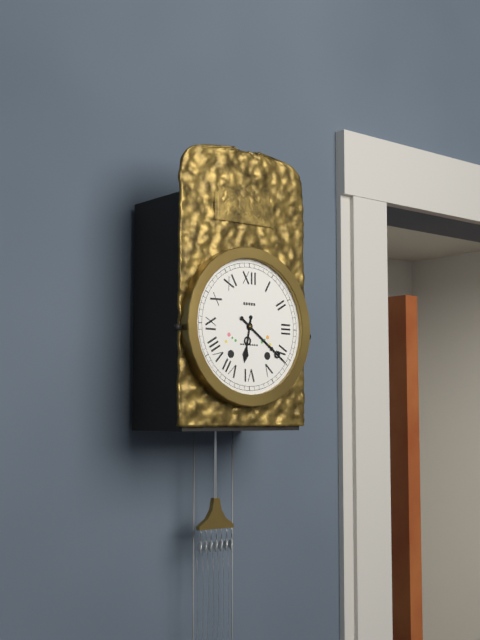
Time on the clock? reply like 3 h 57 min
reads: 6 h 21 min
